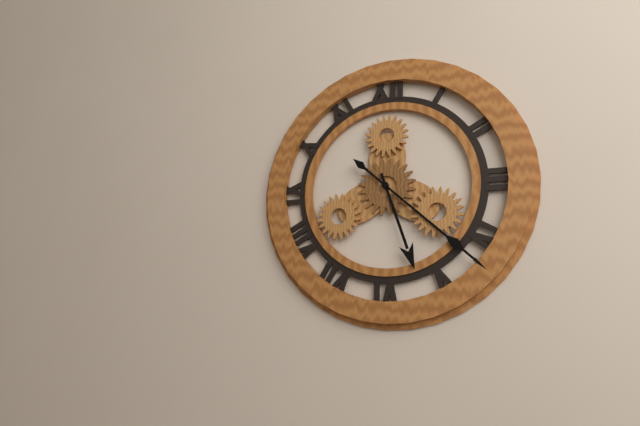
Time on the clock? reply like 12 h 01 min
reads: 5 h 22 min
